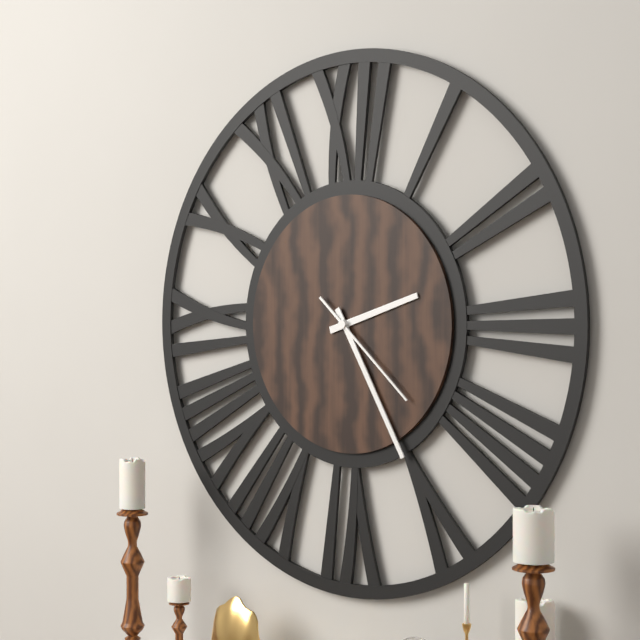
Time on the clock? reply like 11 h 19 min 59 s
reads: 2 h 25 min 22 s
